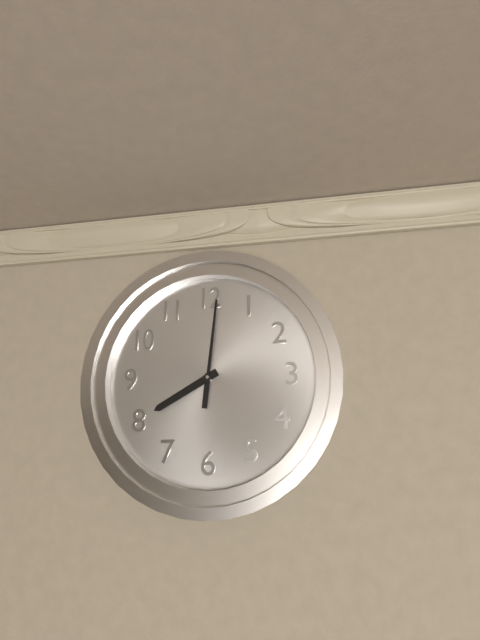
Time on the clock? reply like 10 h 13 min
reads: 8 h 01 min
